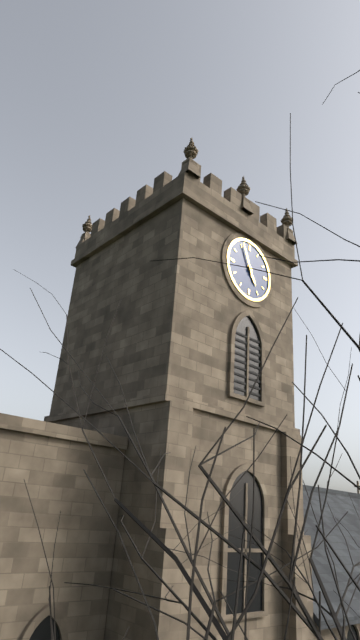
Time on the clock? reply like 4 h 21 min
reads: 4 h 56 min
